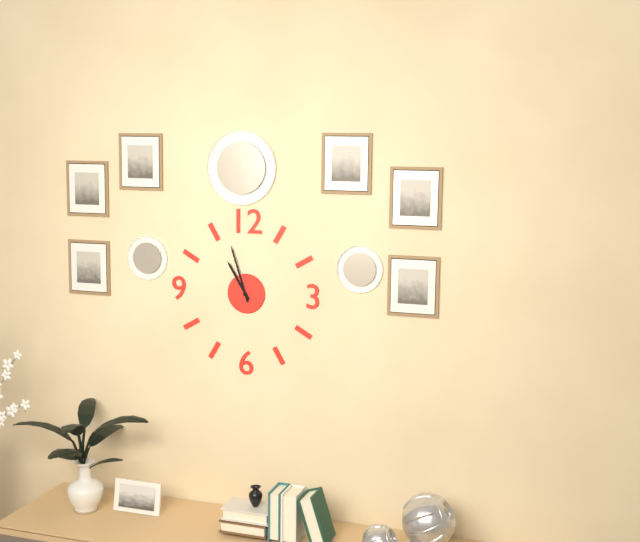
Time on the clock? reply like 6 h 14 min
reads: 10 h 57 min
